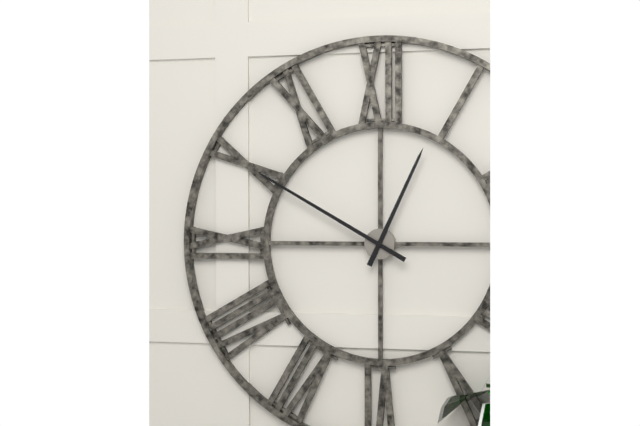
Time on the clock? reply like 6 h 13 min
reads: 12 h 50 min
